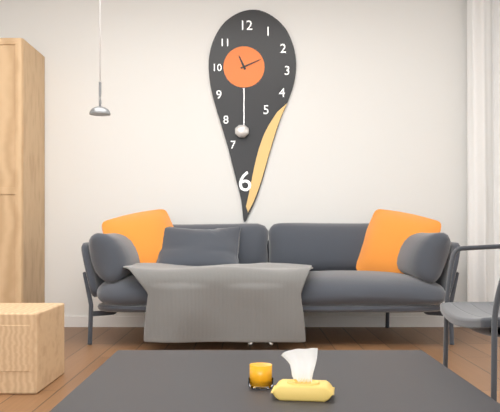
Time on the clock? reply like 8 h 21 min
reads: 11 h 11 min
